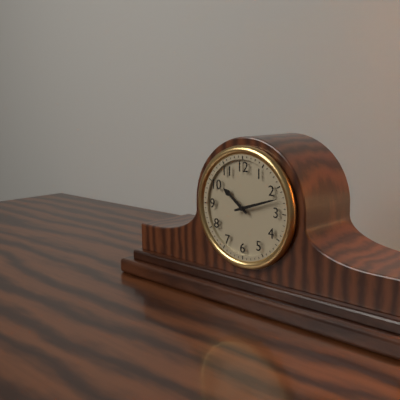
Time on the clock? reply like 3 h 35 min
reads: 10 h 12 min
